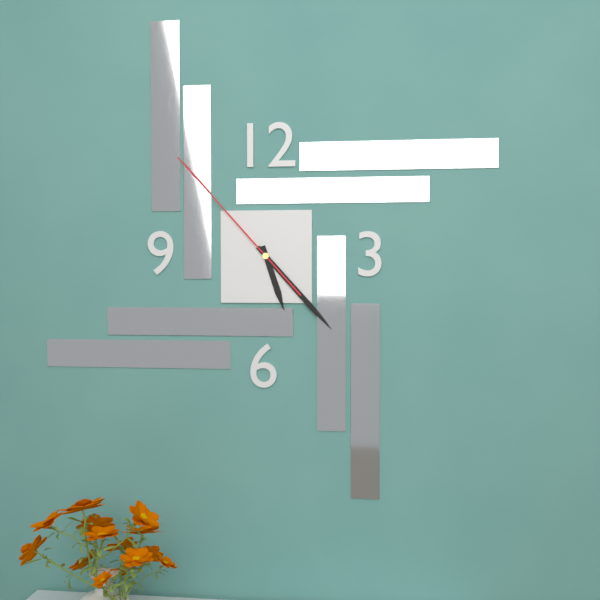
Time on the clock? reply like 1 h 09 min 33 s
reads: 5 h 23 min 53 s
